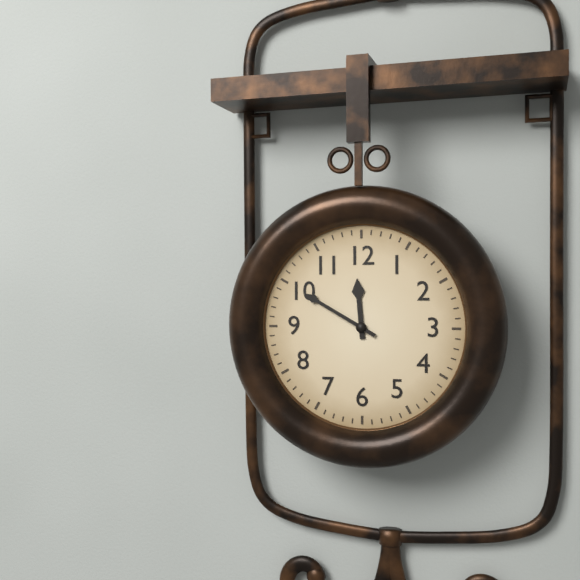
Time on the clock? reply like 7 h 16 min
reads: 11 h 50 min
